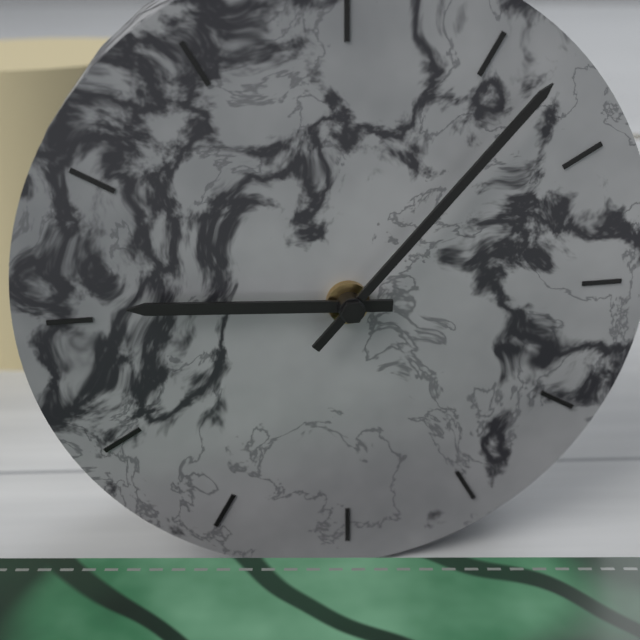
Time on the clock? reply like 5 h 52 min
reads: 9 h 07 min
